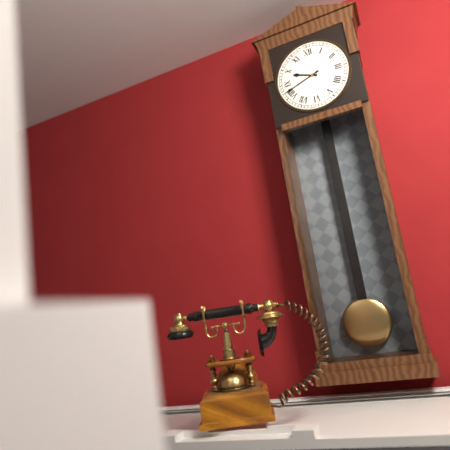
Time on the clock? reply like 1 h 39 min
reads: 9 h 42 min
